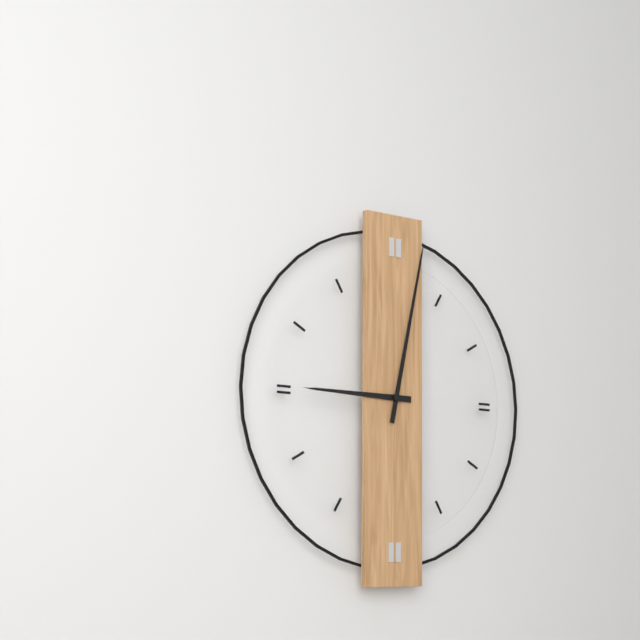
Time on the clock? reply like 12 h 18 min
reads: 9 h 02 min
